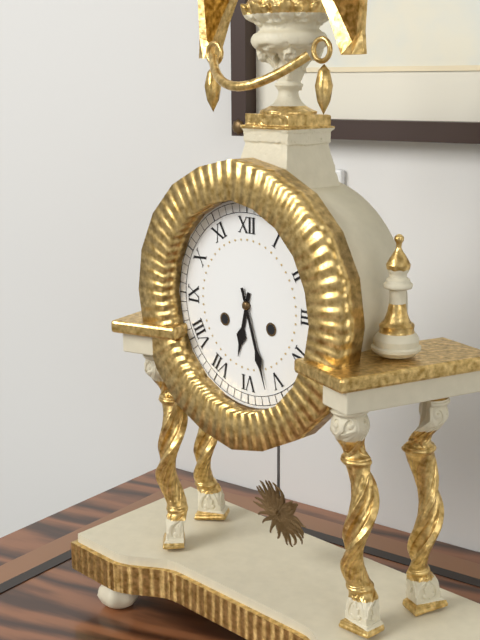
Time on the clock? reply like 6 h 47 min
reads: 6 h 27 min
